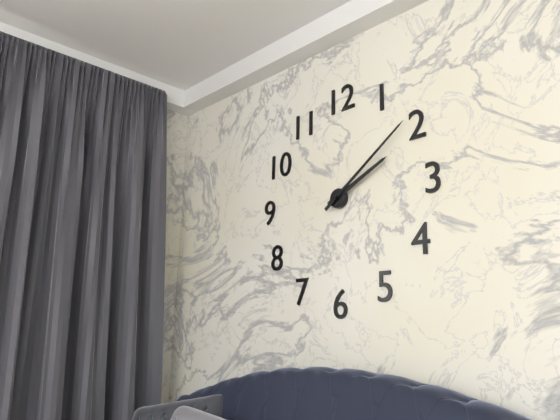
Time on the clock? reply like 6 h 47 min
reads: 2 h 09 min
